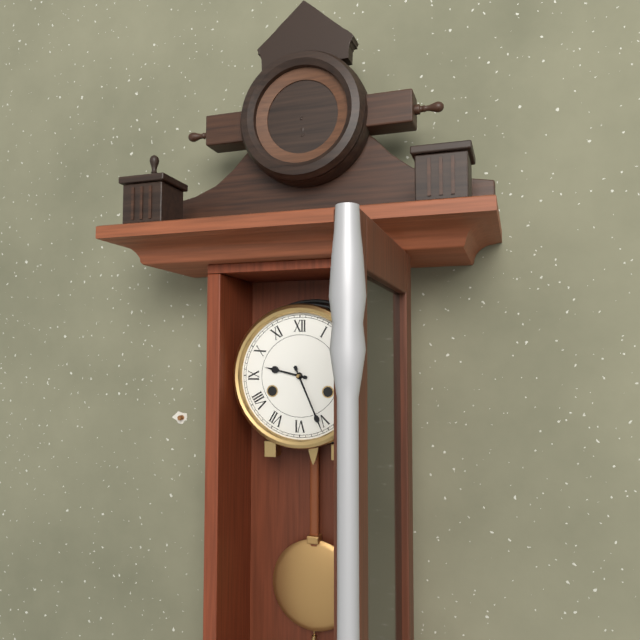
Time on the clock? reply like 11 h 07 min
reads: 9 h 26 min
